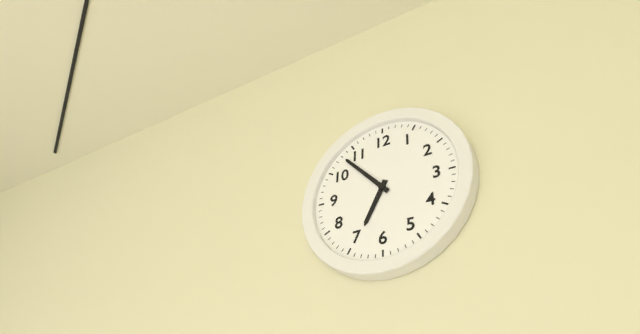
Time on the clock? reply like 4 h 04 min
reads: 6 h 53 min
